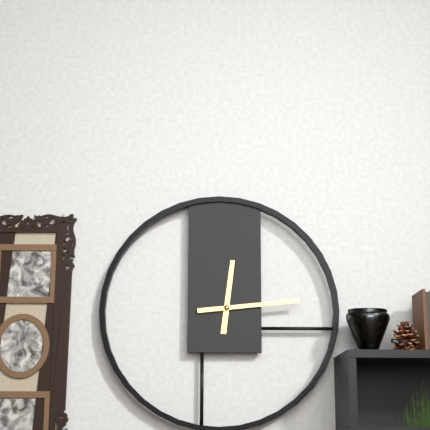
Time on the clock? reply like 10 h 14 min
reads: 12 h 14 min
